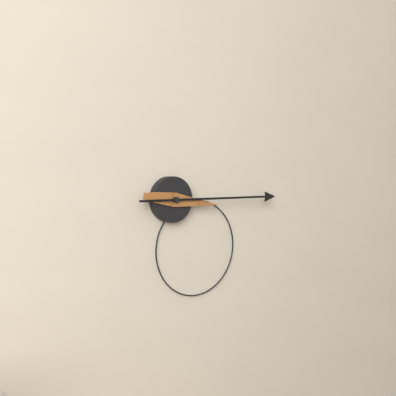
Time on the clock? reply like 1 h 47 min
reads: 3 h 15 min
